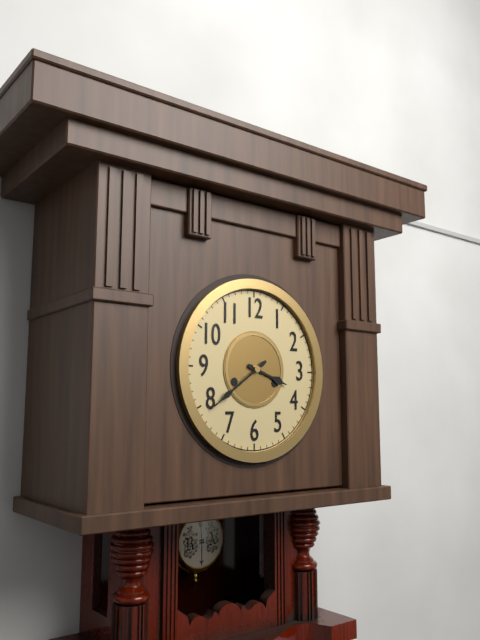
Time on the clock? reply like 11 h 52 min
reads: 3 h 39 min
